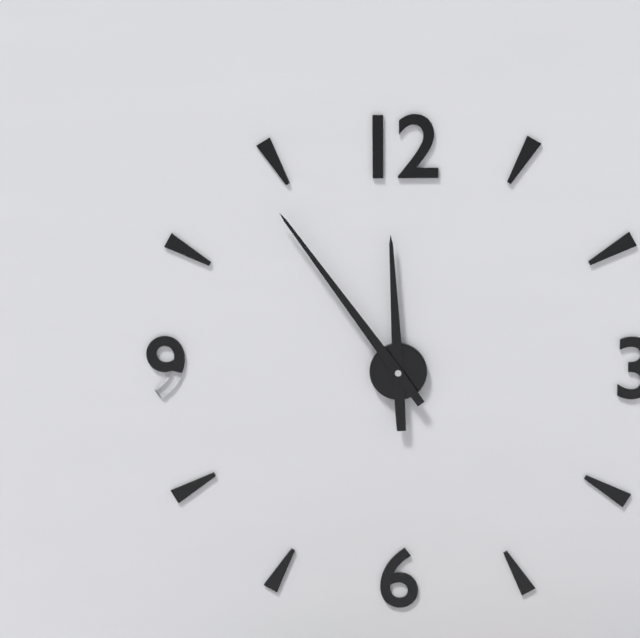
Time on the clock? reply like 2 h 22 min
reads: 11 h 54 min
